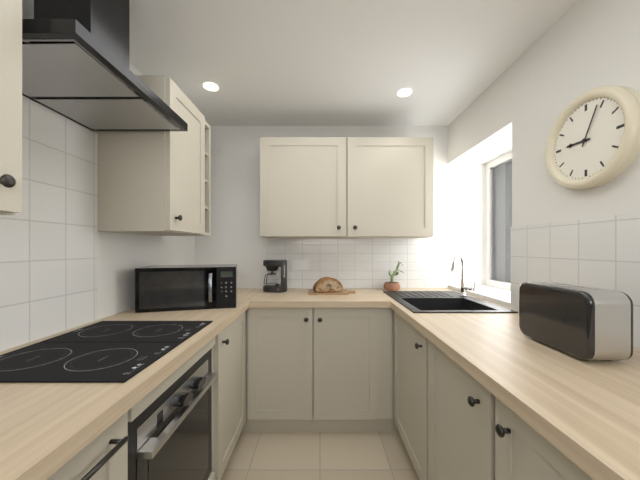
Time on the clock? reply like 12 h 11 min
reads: 9 h 04 min
